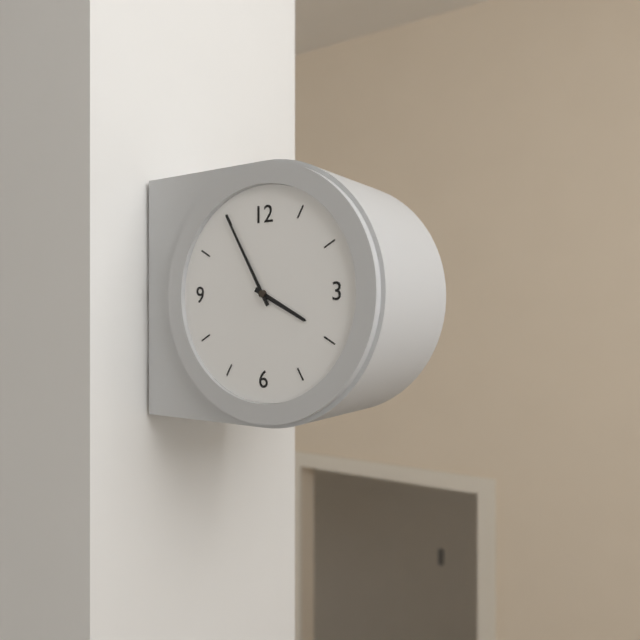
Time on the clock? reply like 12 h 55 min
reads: 3 h 55 min
